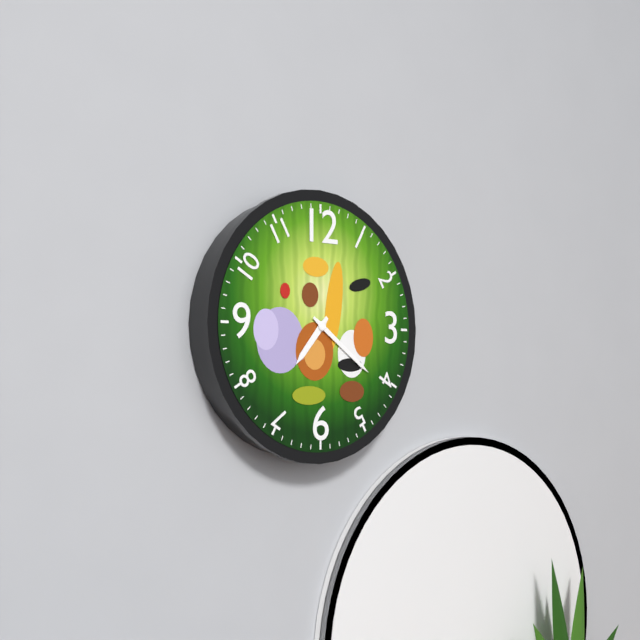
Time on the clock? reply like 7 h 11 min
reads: 7 h 21 min
